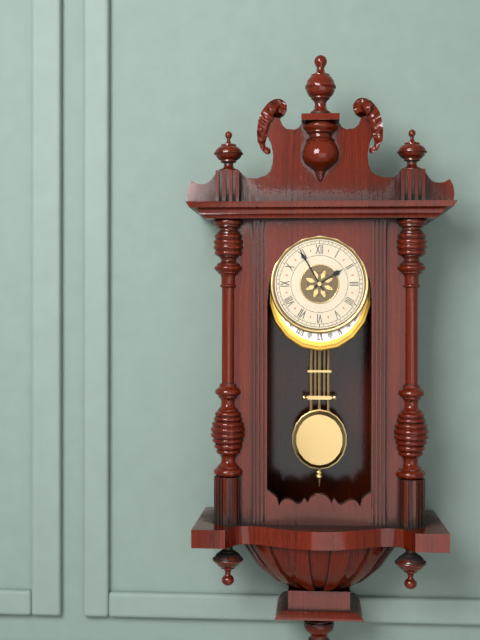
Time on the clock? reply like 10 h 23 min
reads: 1 h 55 min
